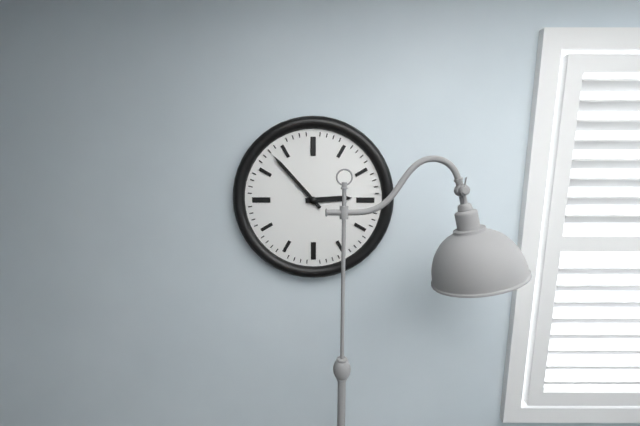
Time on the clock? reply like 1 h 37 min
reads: 2 h 53 min
